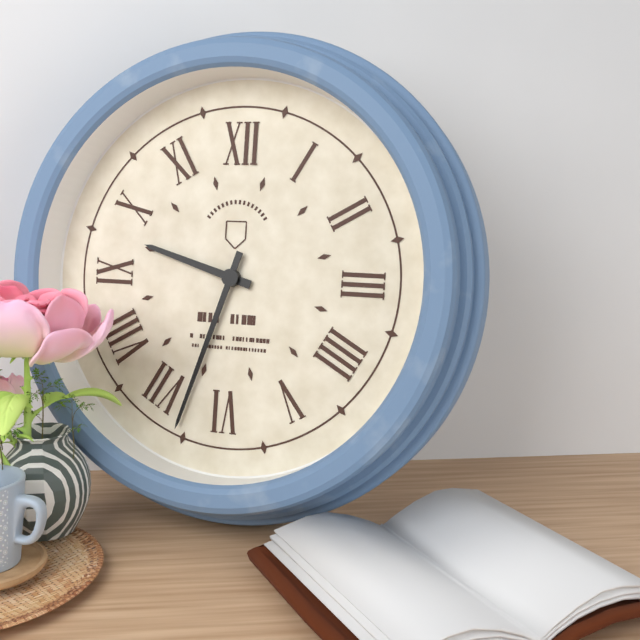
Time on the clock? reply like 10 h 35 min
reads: 9 h 33 min
